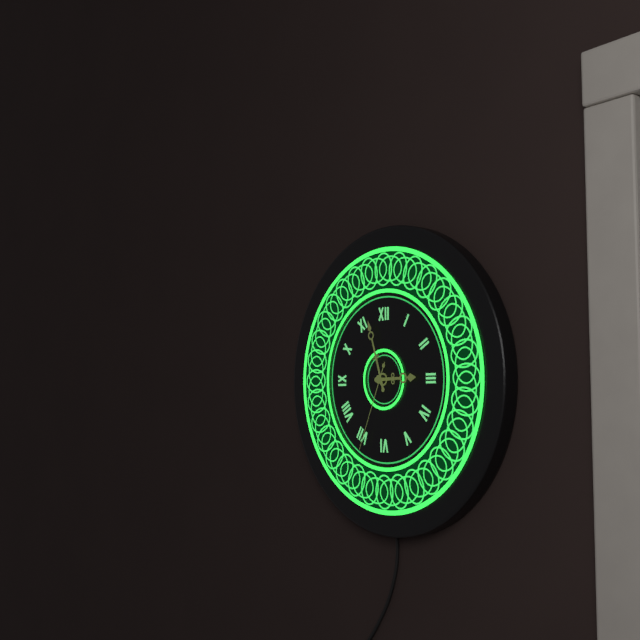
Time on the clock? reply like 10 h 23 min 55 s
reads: 2 h 57 min 34 s
